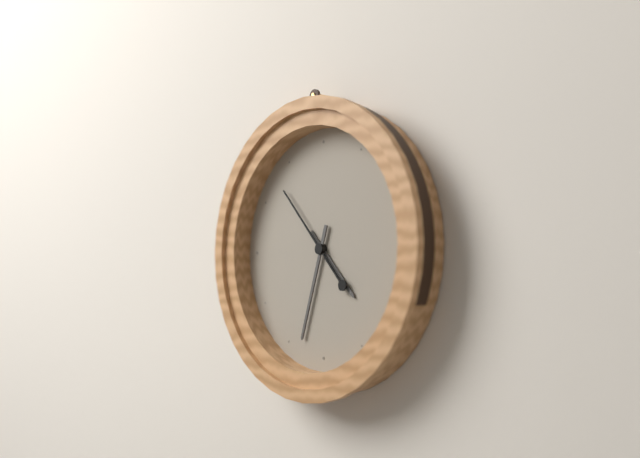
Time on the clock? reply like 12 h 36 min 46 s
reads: 4 h 33 min 53 s
